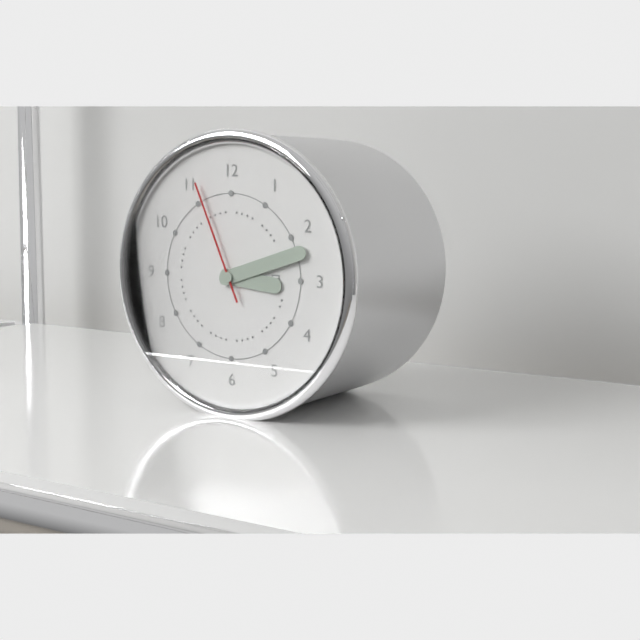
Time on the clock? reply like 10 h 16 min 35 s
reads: 3 h 12 min 56 s
